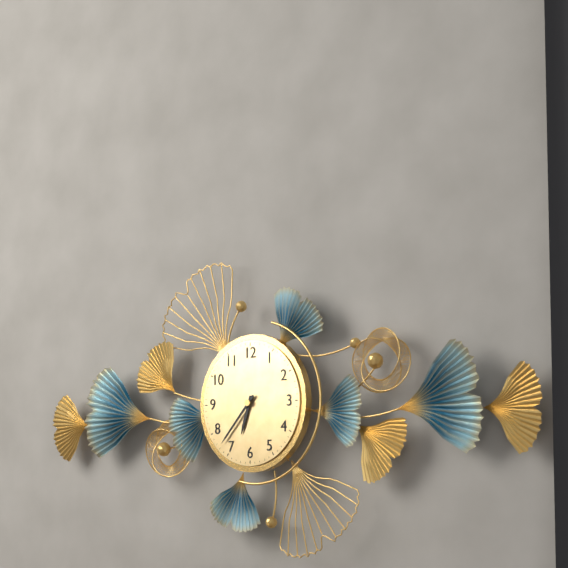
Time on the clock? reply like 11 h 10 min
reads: 6 h 37 min
